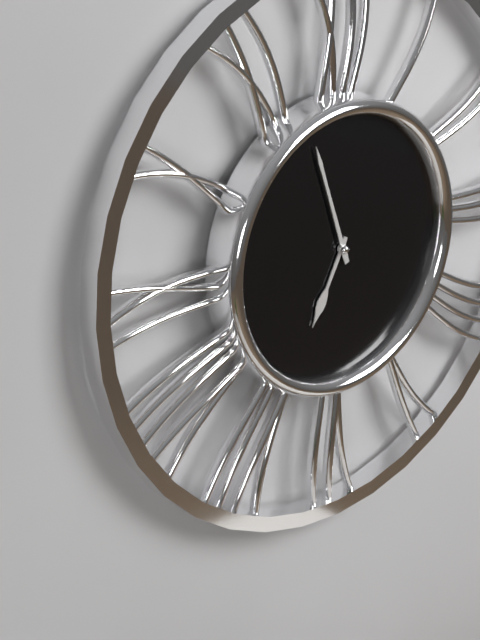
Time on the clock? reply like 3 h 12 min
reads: 6 h 57 min
